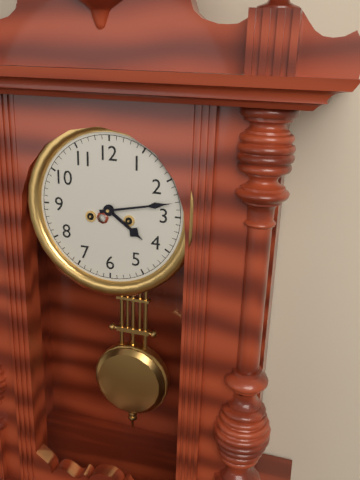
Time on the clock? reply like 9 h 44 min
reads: 4 h 13 min
